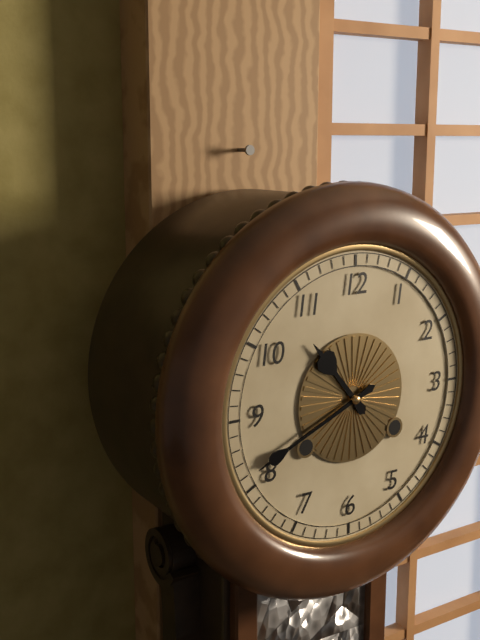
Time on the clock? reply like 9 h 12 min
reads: 10 h 41 min
